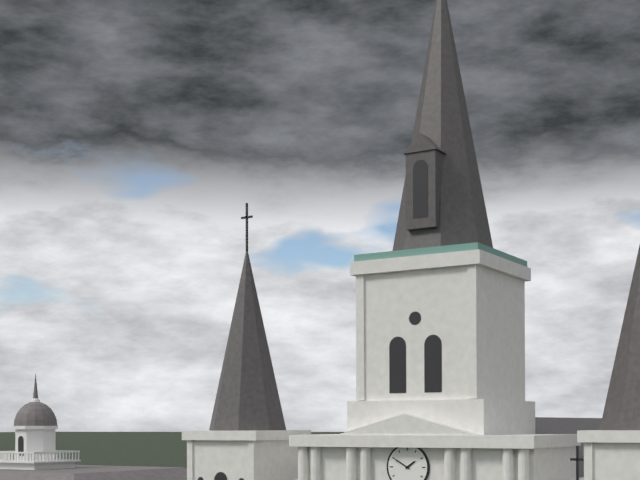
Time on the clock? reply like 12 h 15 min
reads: 1 h 50 min
